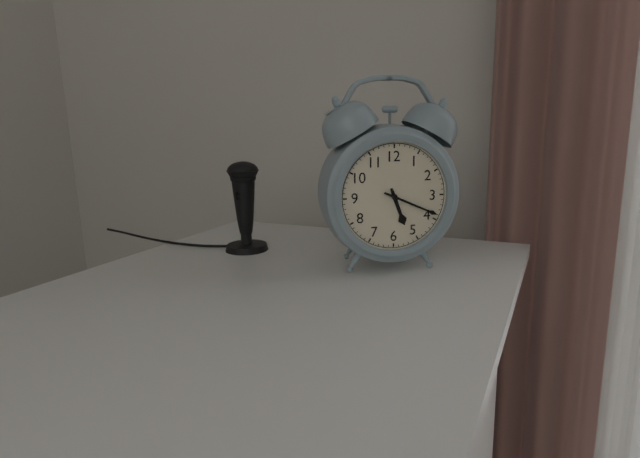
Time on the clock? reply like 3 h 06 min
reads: 5 h 19 min
